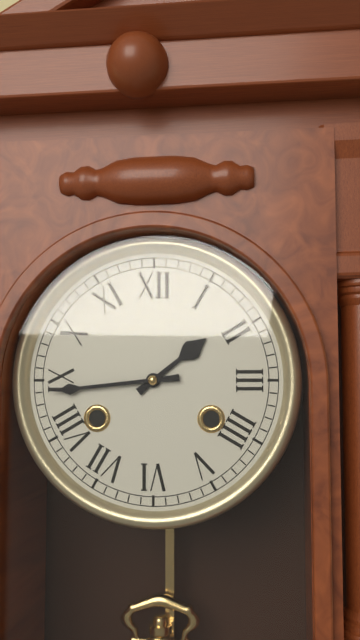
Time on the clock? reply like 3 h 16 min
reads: 1 h 44 min
